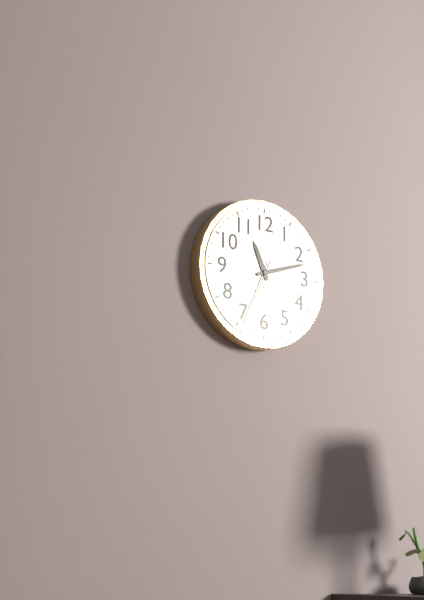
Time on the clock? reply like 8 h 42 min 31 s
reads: 11 h 12 min 34 s
